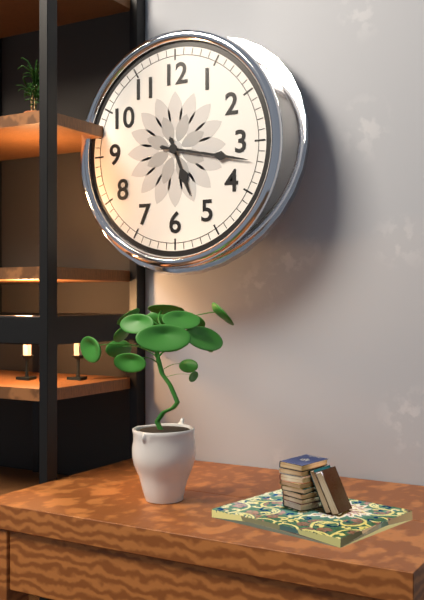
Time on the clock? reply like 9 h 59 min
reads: 5 h 17 min
